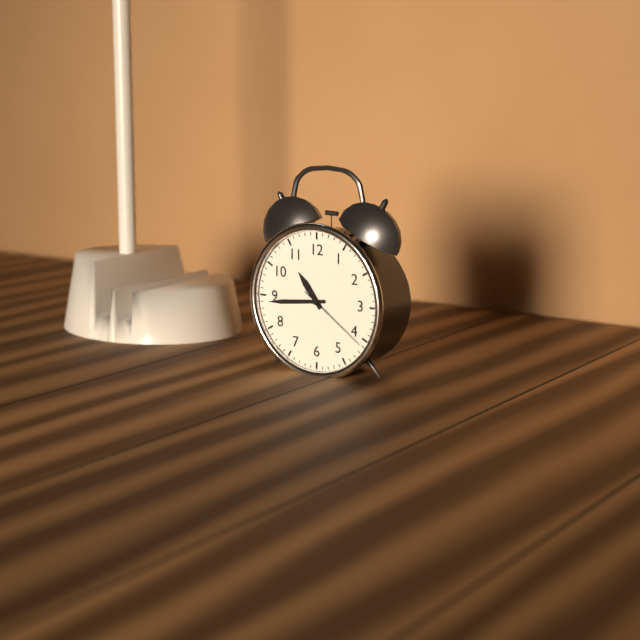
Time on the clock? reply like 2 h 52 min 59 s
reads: 10 h 44 min 21 s
